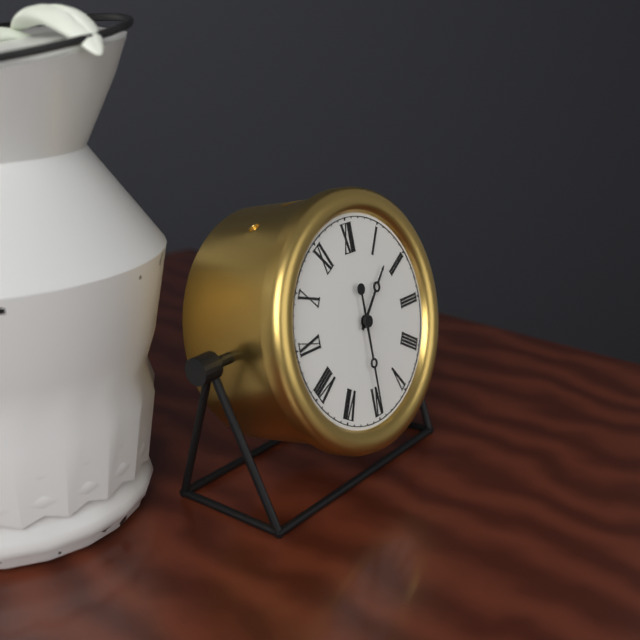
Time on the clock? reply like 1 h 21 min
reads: 1 h 30 min
